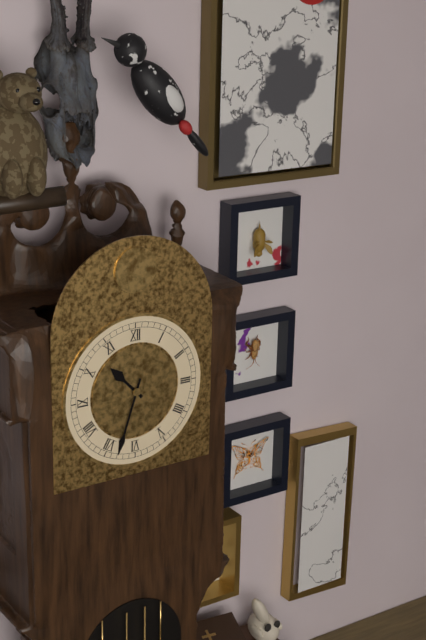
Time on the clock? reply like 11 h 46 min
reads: 10 h 33 min
